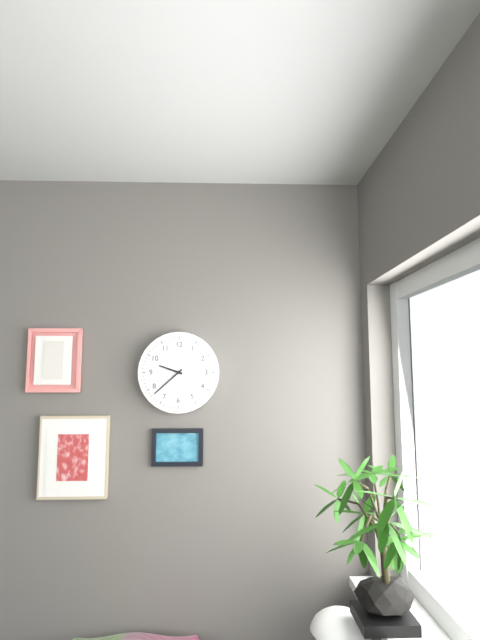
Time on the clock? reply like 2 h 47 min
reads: 9 h 38 min
